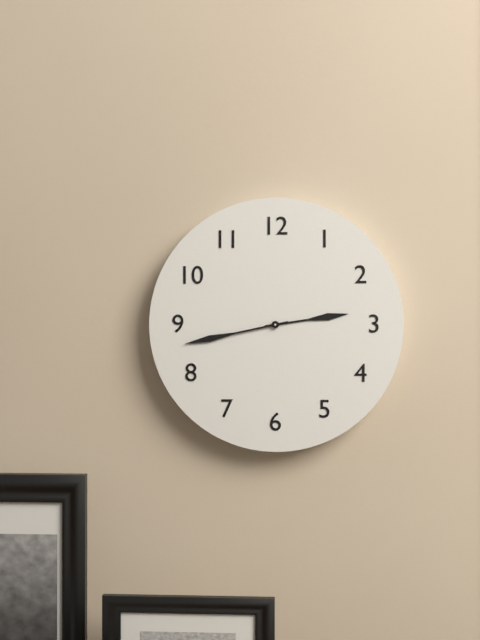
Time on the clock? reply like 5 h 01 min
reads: 2 h 43 min
